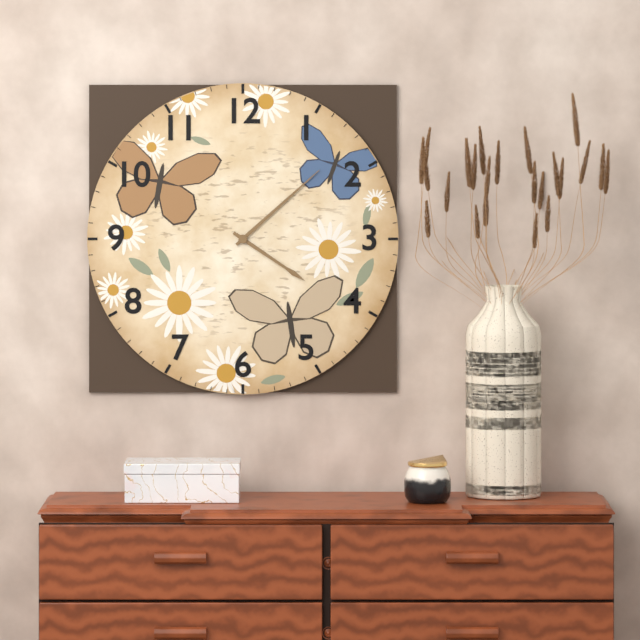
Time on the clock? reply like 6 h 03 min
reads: 4 h 08 min
